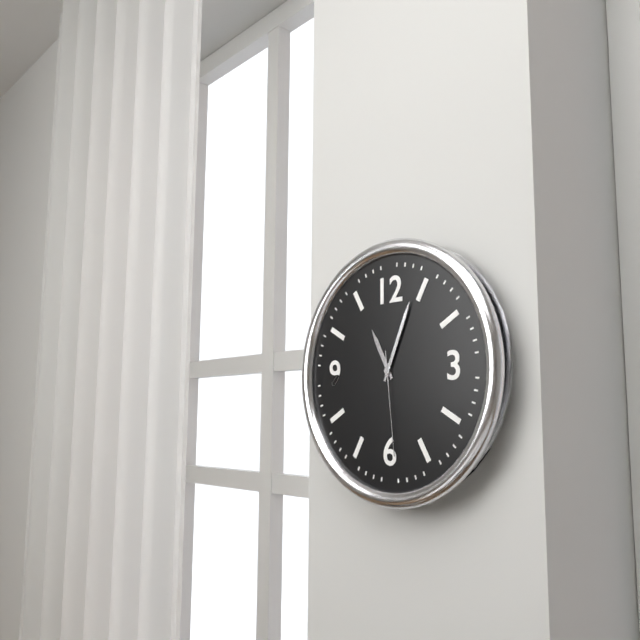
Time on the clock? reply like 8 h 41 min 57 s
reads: 11 h 04 min 29 s
